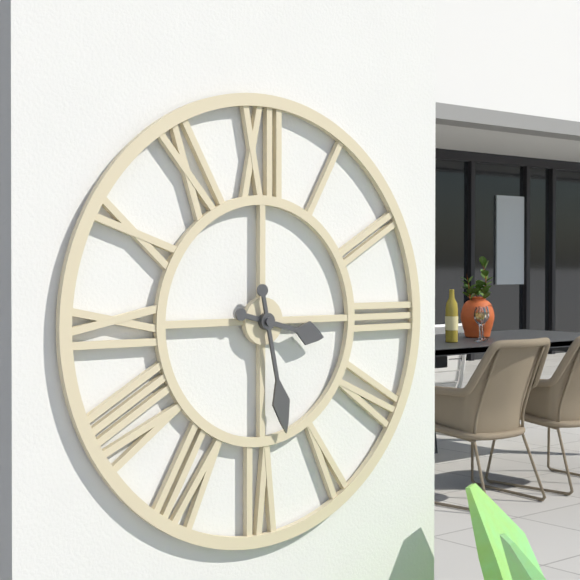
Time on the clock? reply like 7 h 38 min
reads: 3 h 28 min
